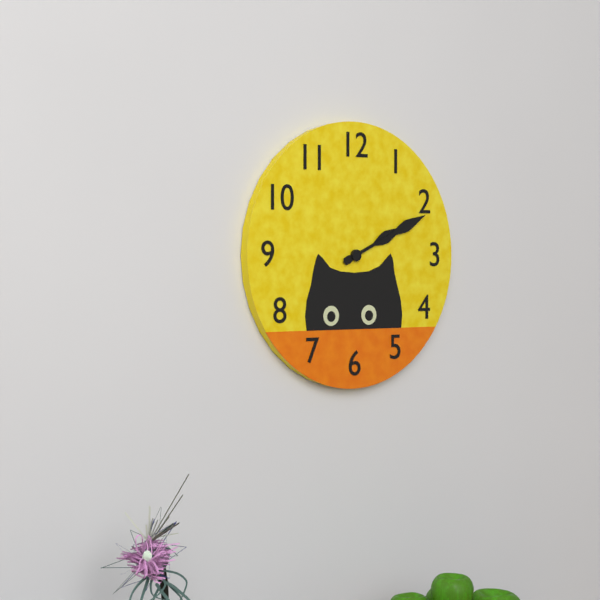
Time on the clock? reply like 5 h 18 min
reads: 2 h 11 min
